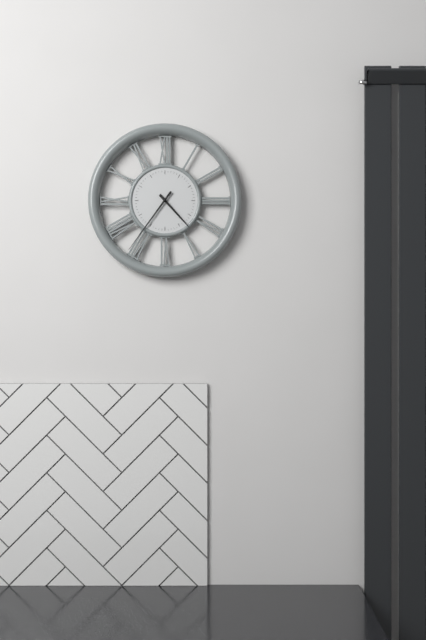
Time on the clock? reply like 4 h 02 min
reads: 4 h 36 min
